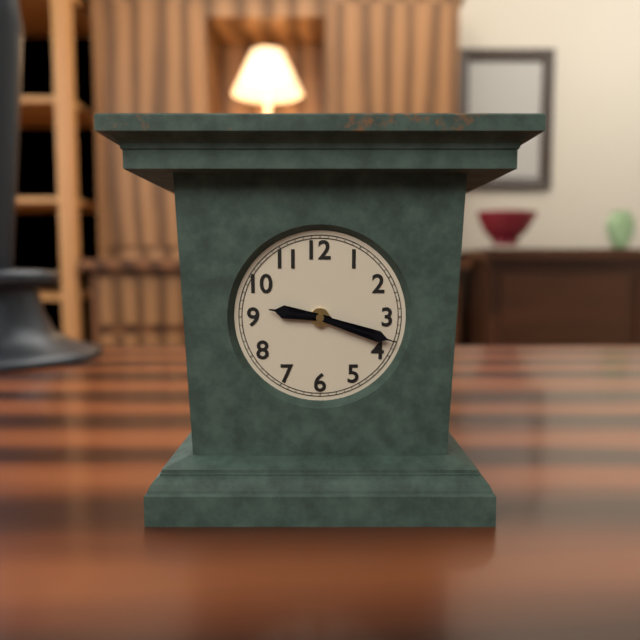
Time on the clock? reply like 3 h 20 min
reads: 9 h 18 min
